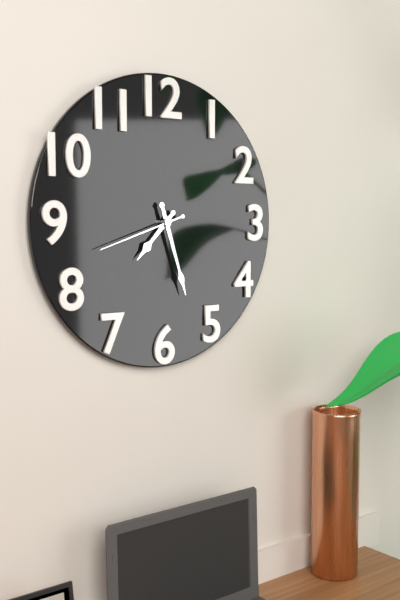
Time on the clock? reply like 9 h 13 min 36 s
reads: 7 h 27 min 42 s
